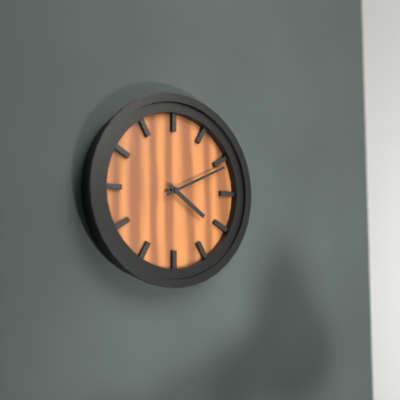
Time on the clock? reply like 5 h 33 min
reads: 4 h 11 min
